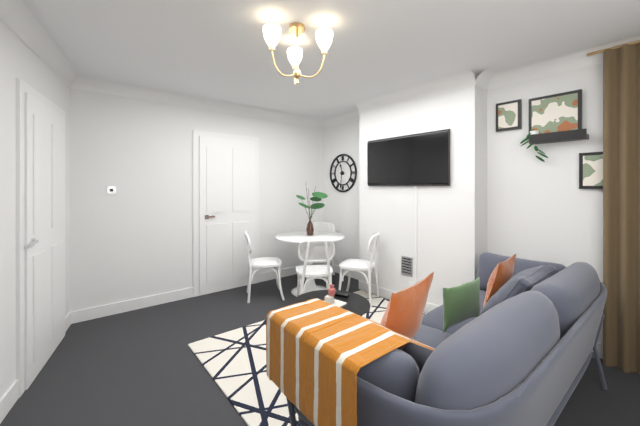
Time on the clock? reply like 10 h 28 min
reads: 11 h 31 min
